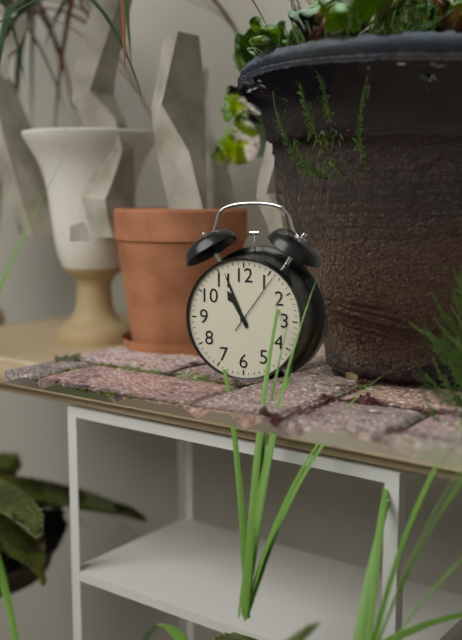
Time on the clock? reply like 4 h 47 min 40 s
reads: 10 h 56 min 06 s
